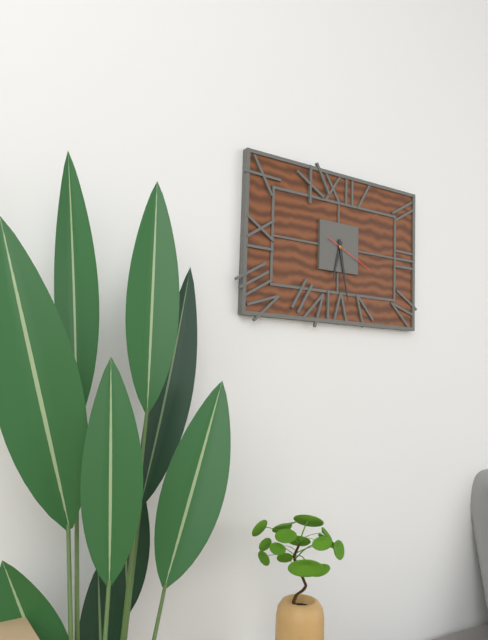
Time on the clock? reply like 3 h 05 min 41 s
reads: 6 h 28 min 19 s
